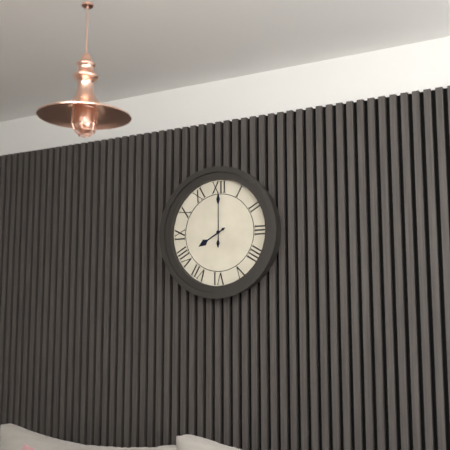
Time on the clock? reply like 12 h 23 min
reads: 8 h 00 min
